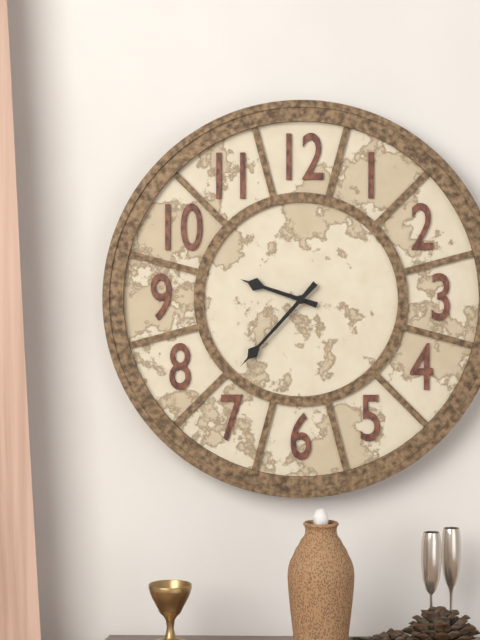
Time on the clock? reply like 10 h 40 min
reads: 9 h 37 min
